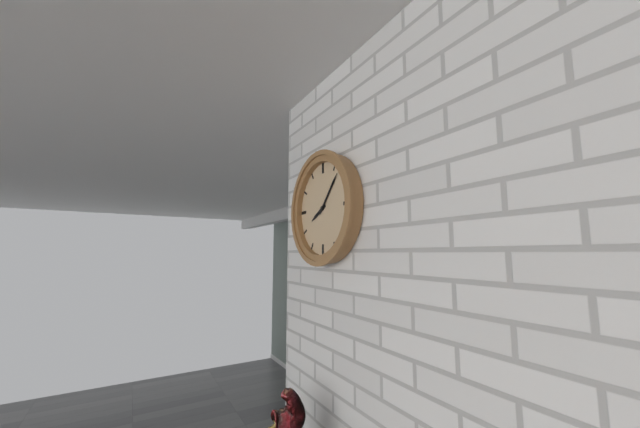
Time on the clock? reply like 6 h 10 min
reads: 8 h 07 min
